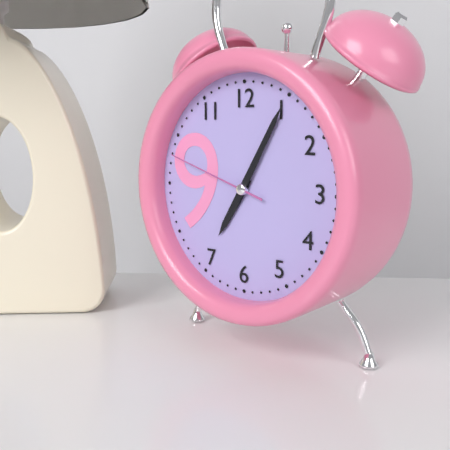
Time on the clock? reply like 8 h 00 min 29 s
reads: 7 h 05 min 48 s
